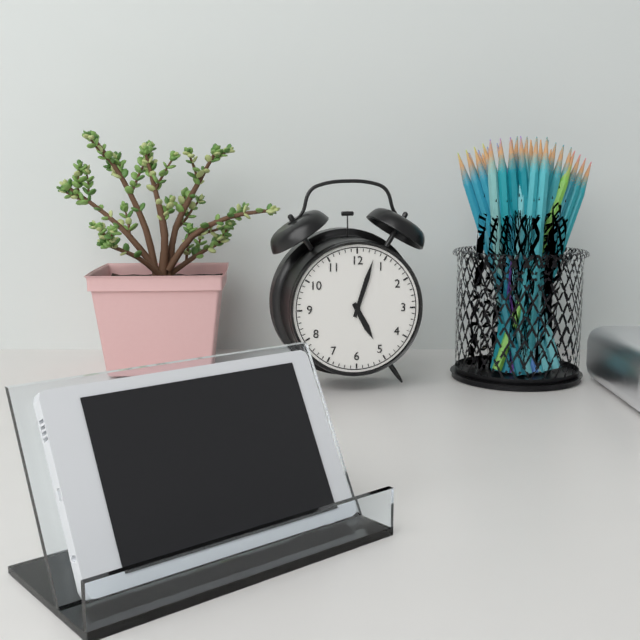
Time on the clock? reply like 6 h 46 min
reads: 5 h 03 min
